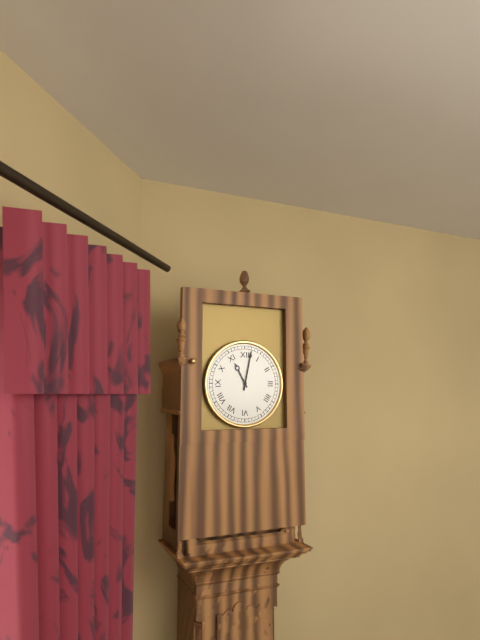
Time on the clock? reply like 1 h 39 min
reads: 11 h 02 min
